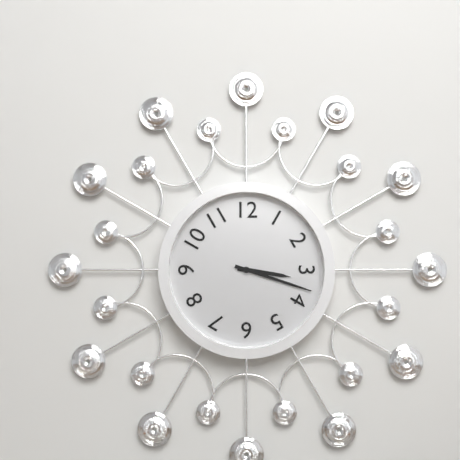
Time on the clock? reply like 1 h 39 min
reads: 3 h 18 min
